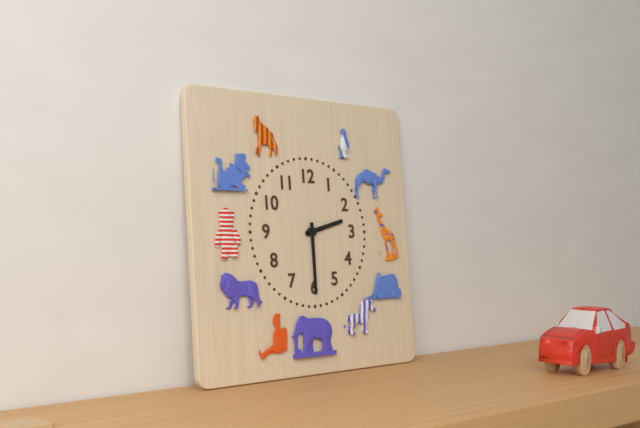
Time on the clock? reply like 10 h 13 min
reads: 2 h 30 min
